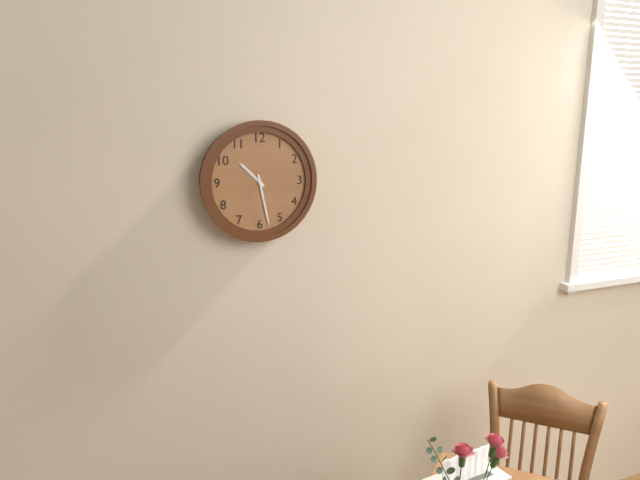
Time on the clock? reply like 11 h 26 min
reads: 10 h 28 min
